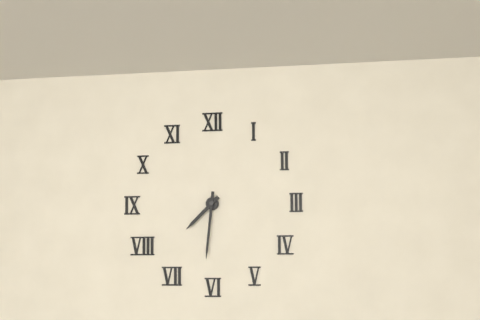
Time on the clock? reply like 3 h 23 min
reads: 7 h 31 min
